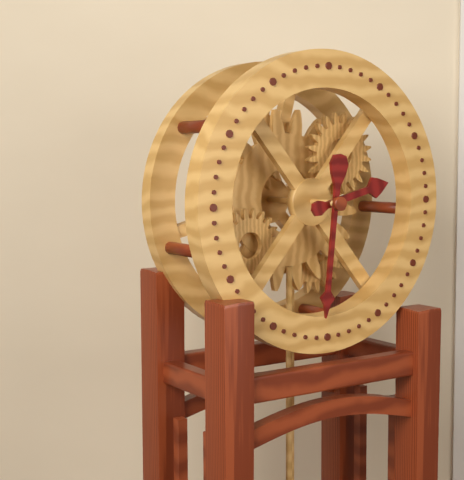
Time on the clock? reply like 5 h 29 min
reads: 2 h 31 min
